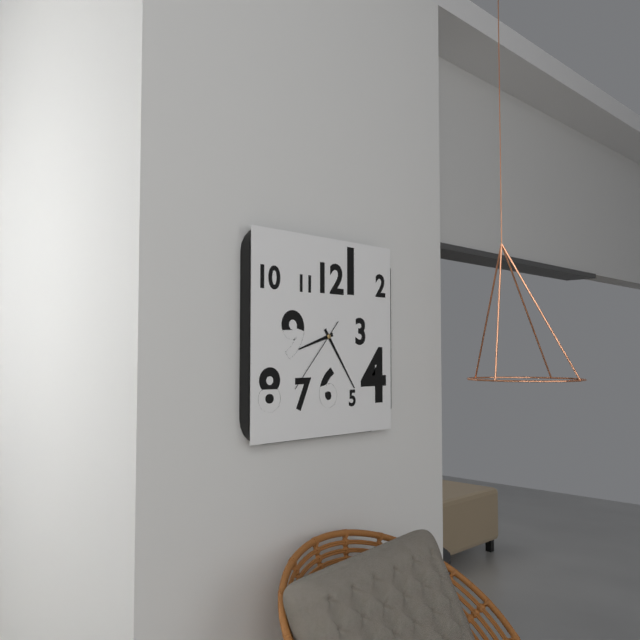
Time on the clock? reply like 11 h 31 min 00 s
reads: 8 h 24 min 37 s
